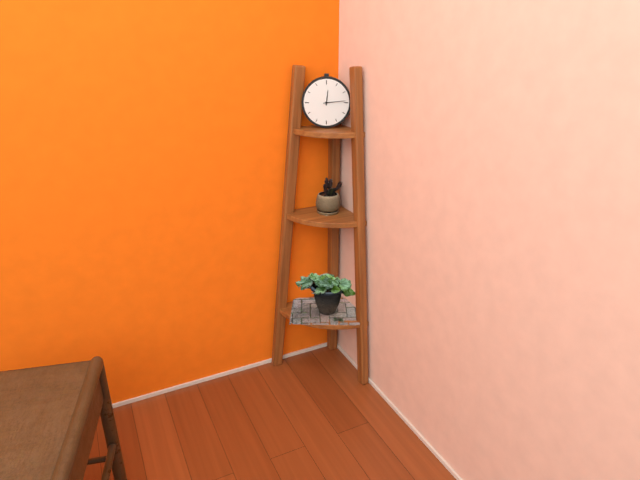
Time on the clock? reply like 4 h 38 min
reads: 12 h 14 min
